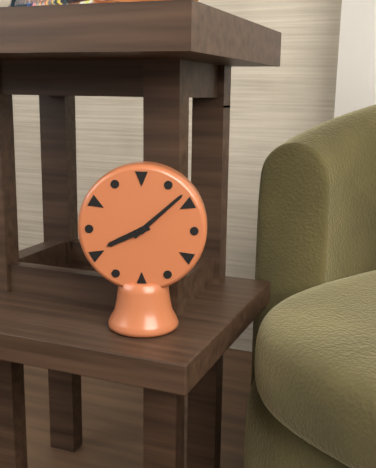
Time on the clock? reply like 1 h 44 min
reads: 8 h 08 min
